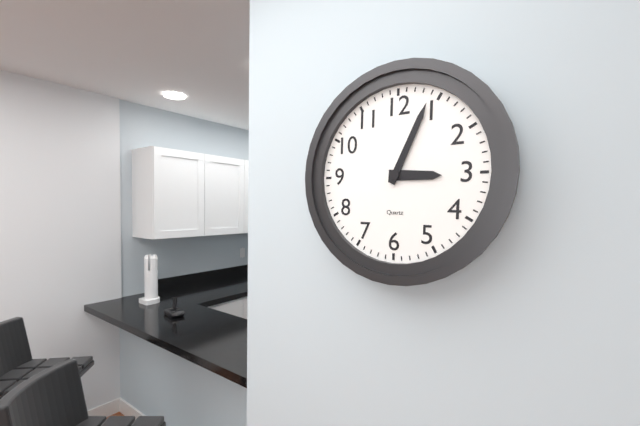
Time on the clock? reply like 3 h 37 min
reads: 3 h 04 min
